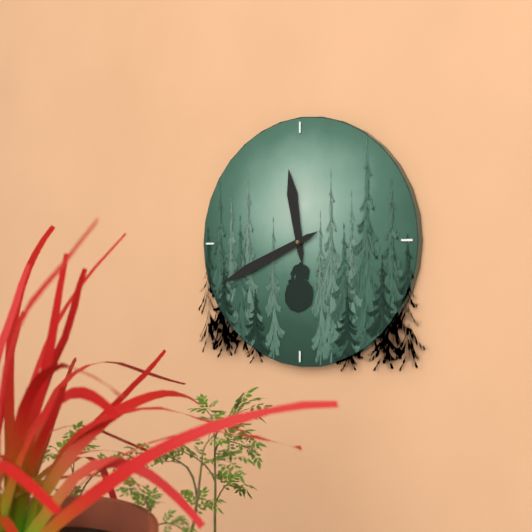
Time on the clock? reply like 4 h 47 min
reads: 11 h 41 min
